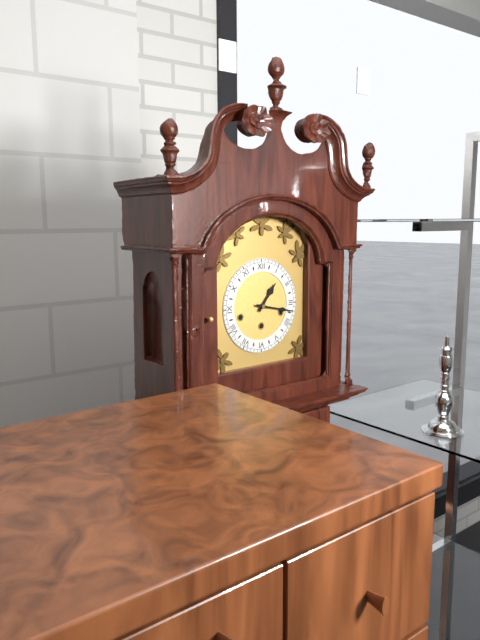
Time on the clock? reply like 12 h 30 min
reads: 1 h 17 min
